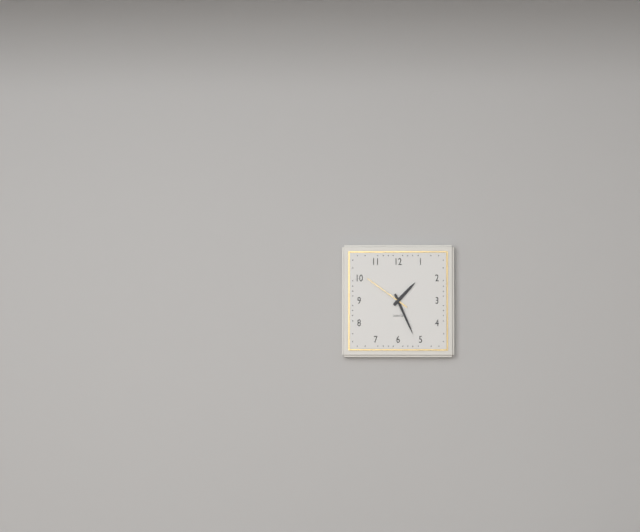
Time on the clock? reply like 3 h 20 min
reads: 1 h 26 min
